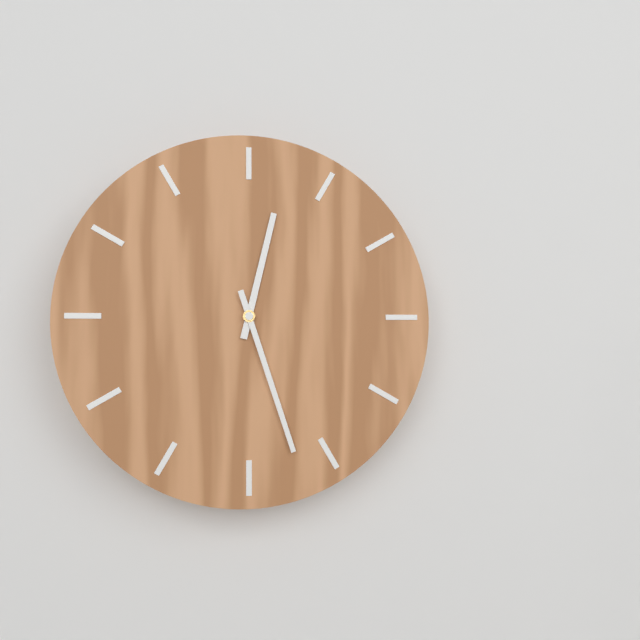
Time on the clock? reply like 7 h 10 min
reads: 12 h 27 min
